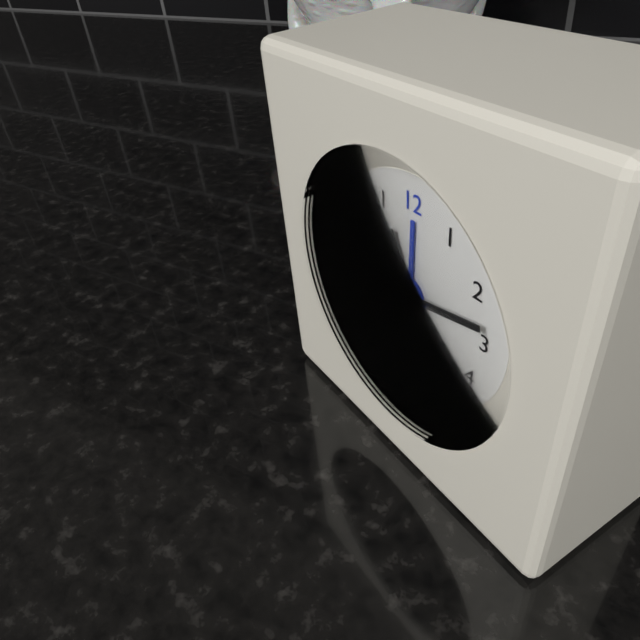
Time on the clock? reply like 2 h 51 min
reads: 11 h 13 min
